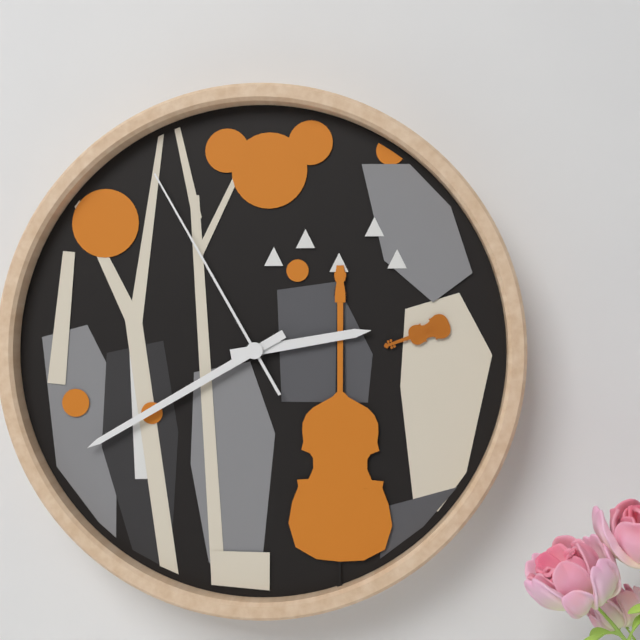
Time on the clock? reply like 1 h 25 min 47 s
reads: 2 h 40 min 55 s
